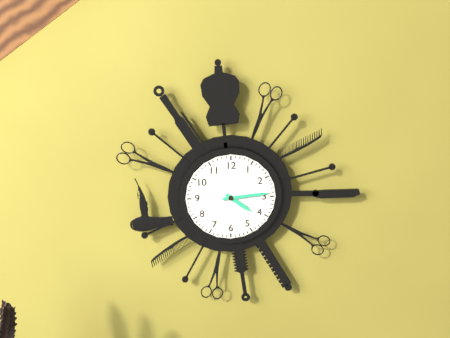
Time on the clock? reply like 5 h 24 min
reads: 4 h 14 min
